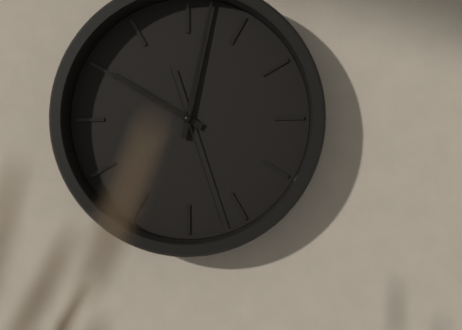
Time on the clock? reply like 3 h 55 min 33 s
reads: 10 h 02 min 27 s
